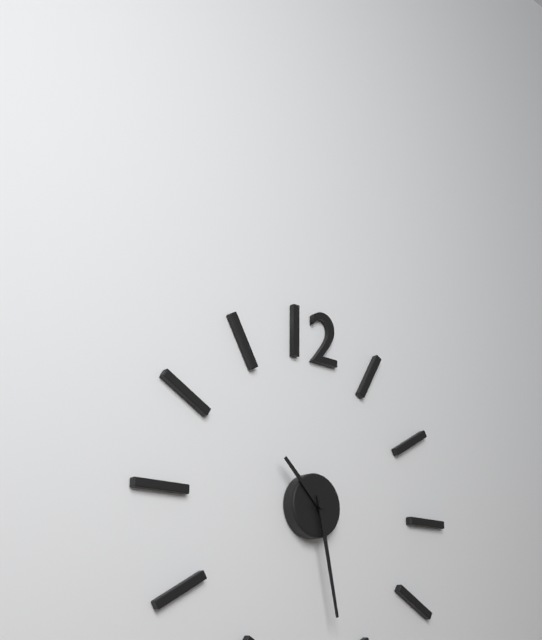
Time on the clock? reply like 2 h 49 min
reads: 10 h 28 min
